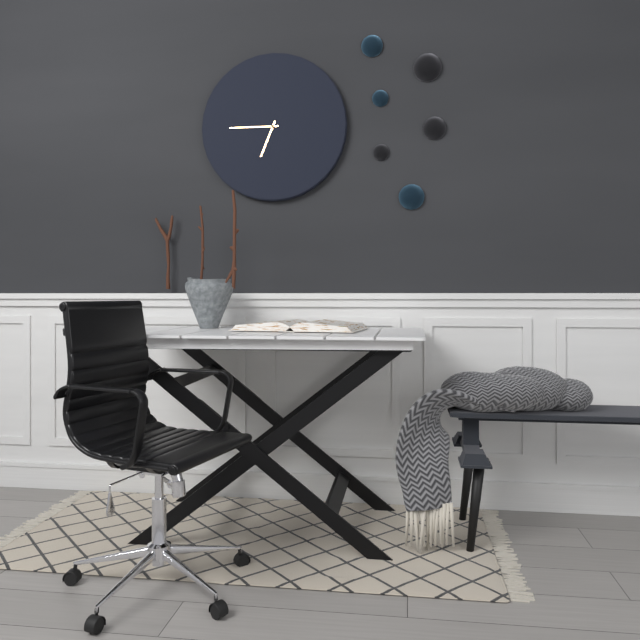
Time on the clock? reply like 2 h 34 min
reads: 6 h 45 min
